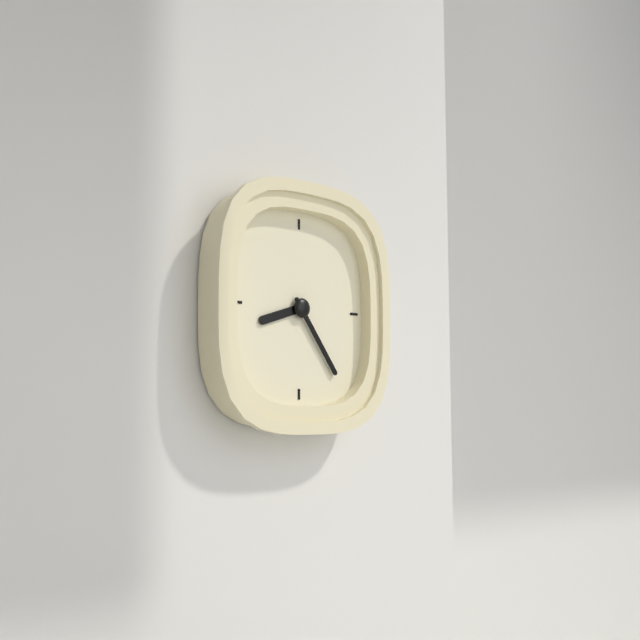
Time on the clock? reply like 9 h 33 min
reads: 8 h 24 min
